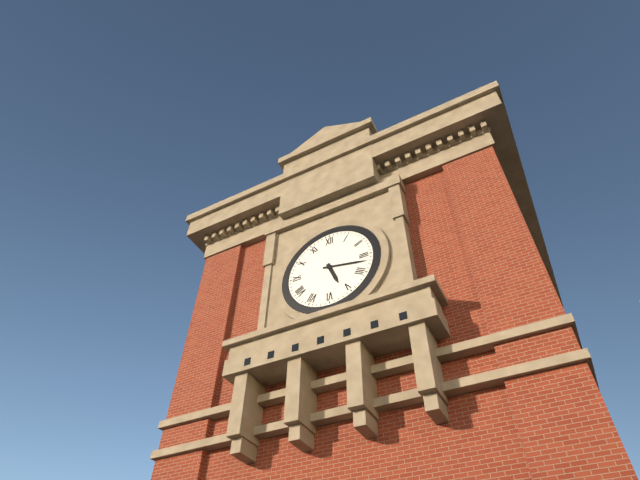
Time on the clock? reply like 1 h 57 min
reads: 5 h 17 min
